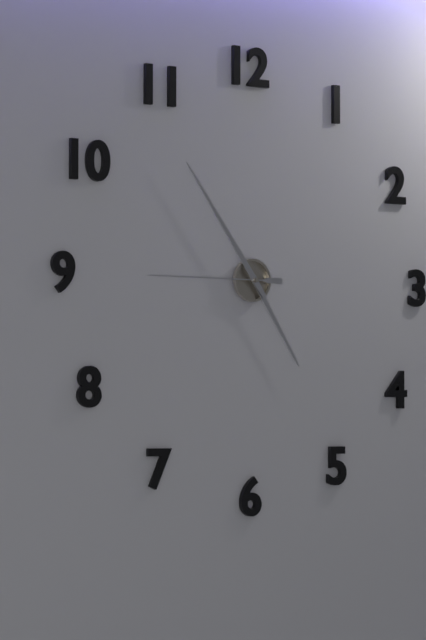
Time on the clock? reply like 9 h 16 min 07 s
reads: 4 h 54 min 45 s
